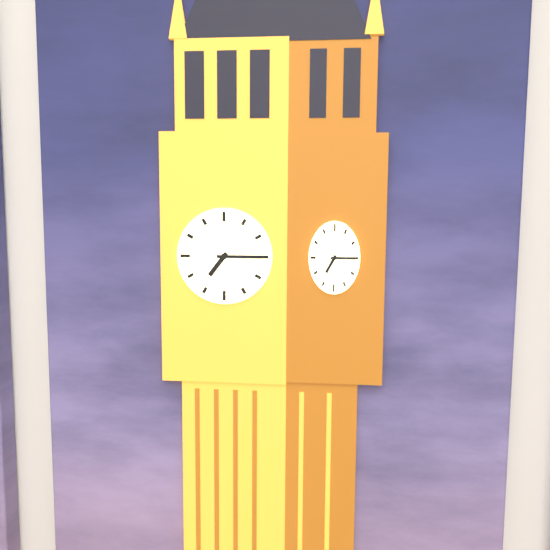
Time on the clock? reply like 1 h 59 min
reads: 7 h 15 min
